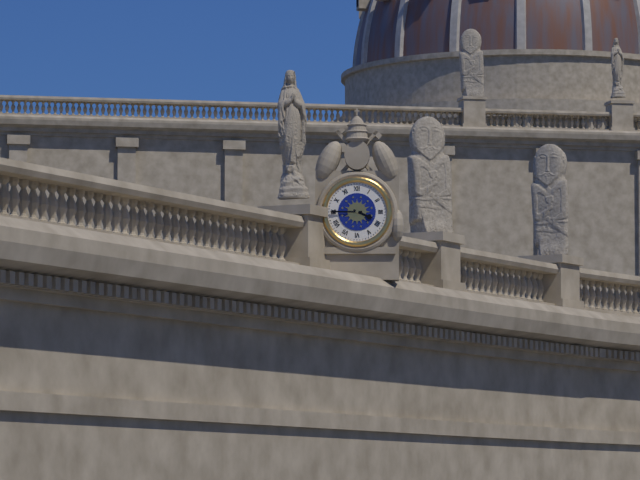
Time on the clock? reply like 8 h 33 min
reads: 3 h 45 min
